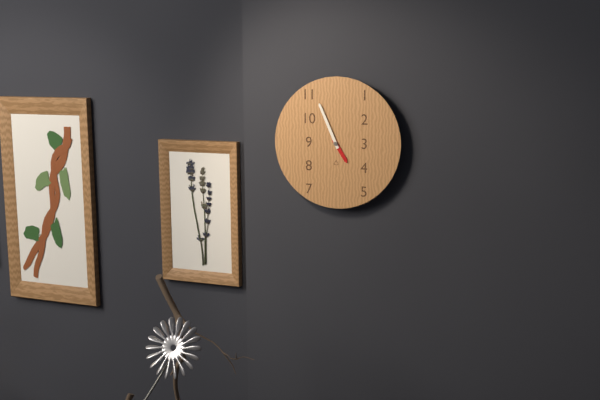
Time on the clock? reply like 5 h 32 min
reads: 4 h 56 min
